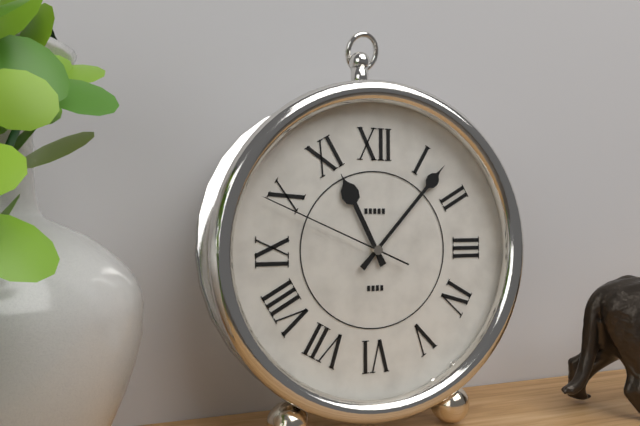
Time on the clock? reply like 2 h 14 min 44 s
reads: 11 h 07 min 49 s
